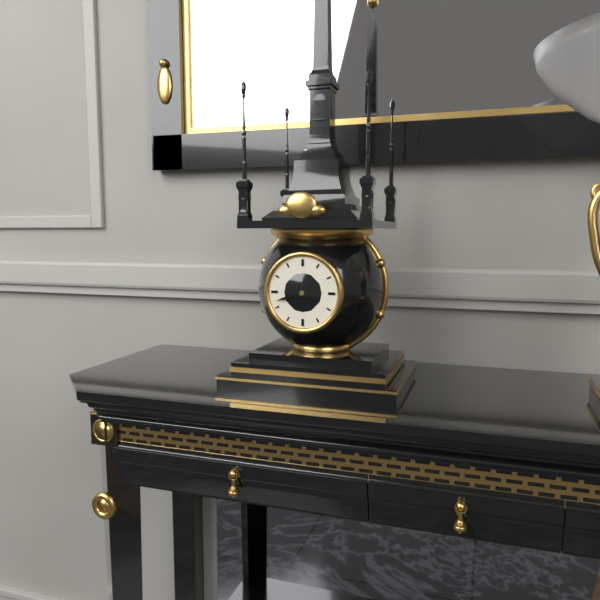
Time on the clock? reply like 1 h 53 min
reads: 4 h 42 min
